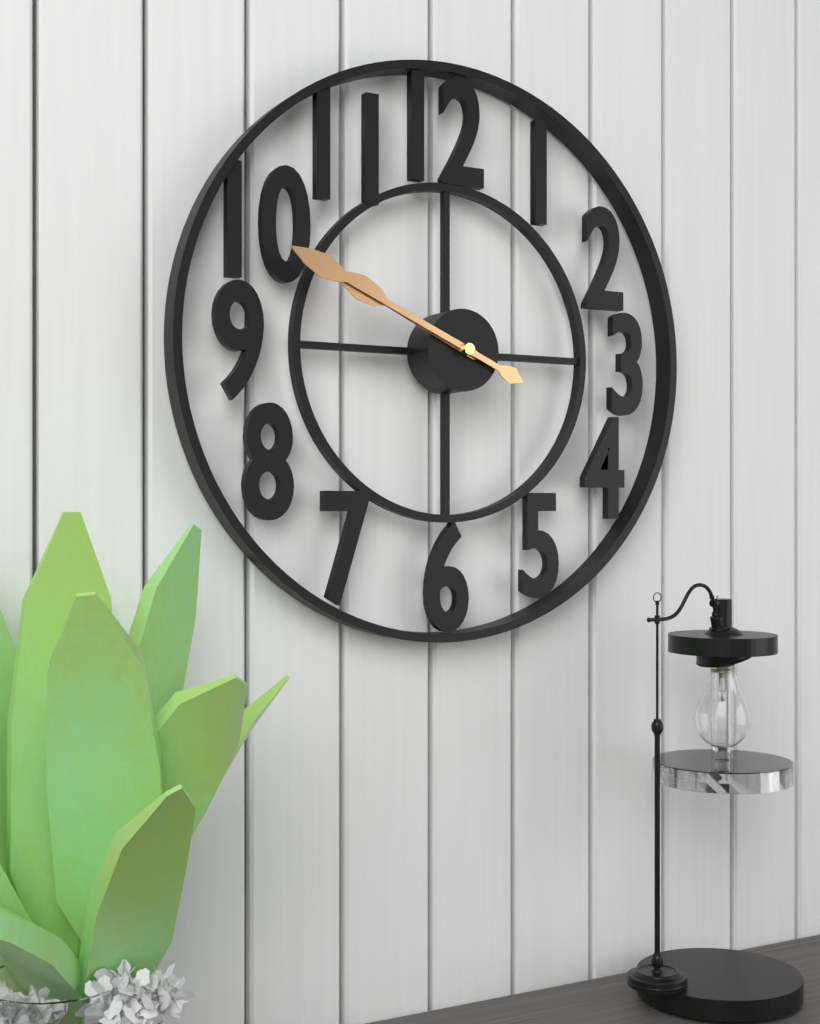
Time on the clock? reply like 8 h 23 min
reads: 9 h 49 min
